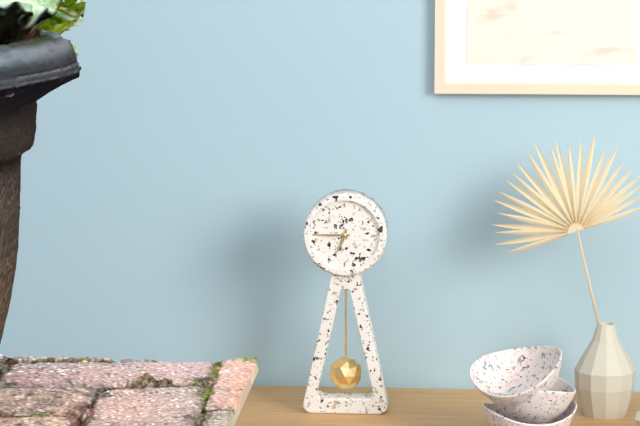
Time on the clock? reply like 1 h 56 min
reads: 6 h 45 min
